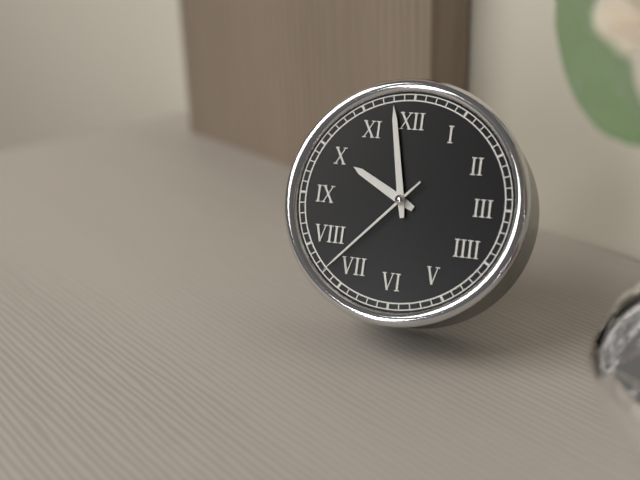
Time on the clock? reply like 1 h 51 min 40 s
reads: 9 h 58 min 37 s
